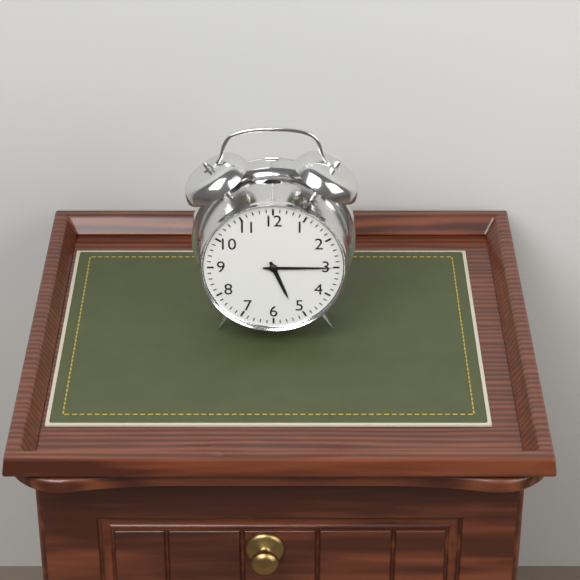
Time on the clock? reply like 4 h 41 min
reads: 5 h 15 min
